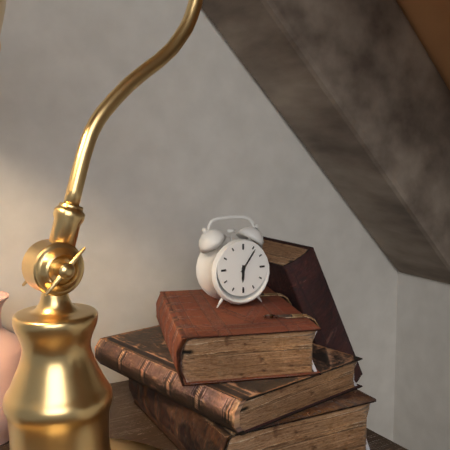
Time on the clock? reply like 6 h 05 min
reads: 6 h 06 min
